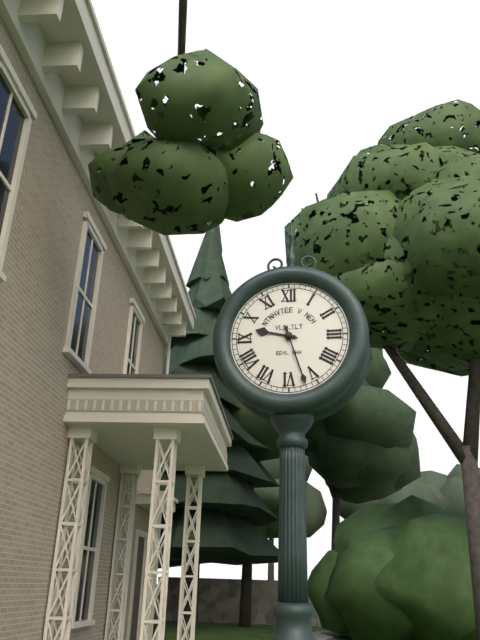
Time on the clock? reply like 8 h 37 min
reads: 9 h 27 min
